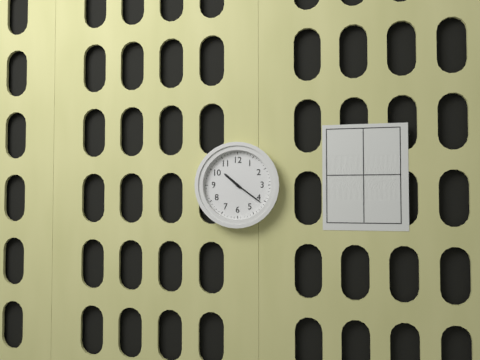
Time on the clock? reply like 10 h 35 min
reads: 10 h 21 min
